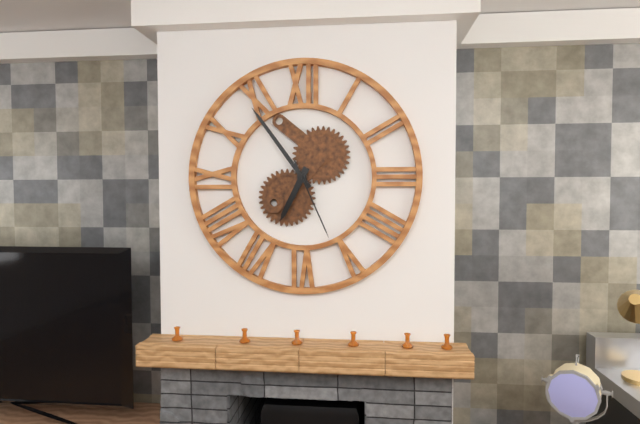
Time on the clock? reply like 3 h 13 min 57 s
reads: 6 h 54 min 26 s
